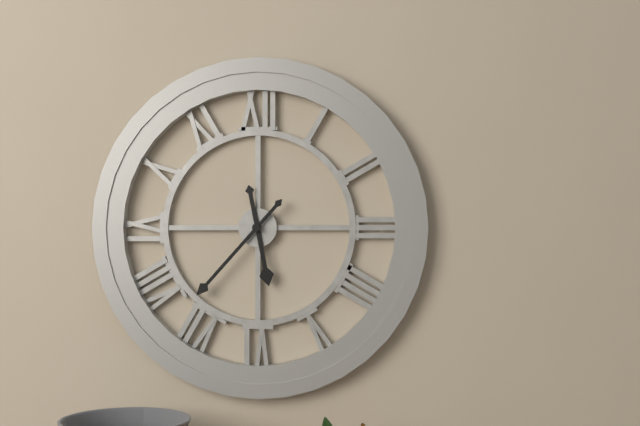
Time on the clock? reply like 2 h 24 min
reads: 5 h 37 min
